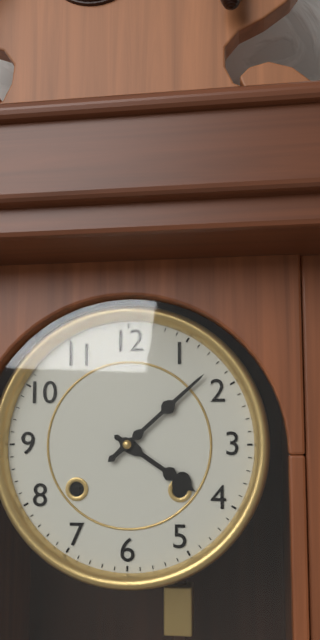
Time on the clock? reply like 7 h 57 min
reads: 4 h 08 min
